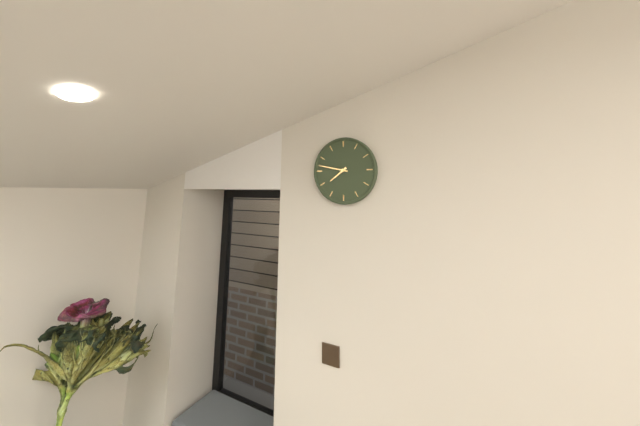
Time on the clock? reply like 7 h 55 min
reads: 7 h 47 min
